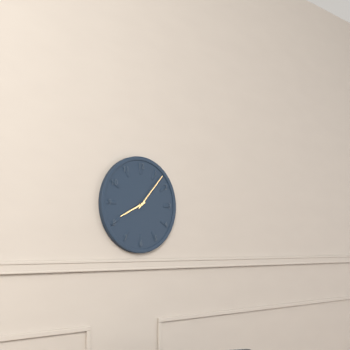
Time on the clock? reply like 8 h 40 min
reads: 8 h 07 min
